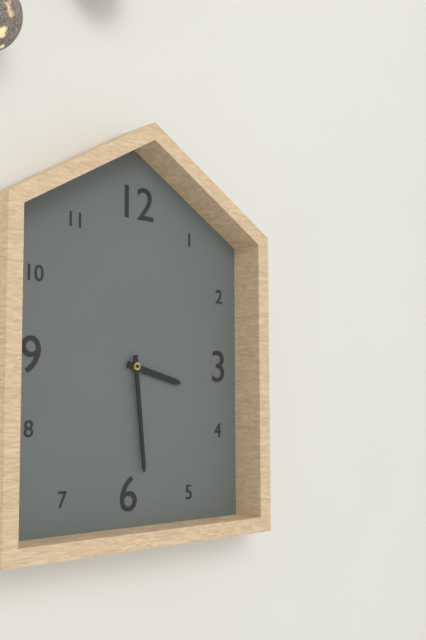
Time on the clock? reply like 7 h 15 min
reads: 3 h 29 min
